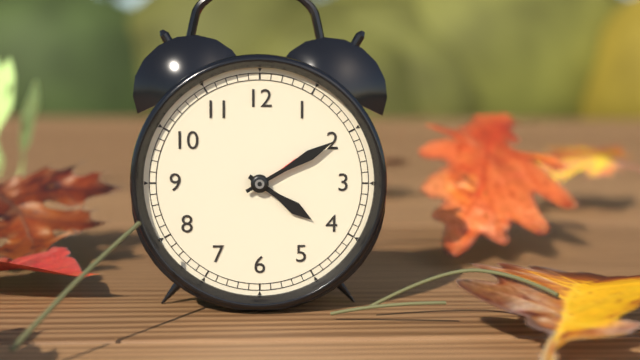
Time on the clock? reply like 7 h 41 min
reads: 4 h 10 min
